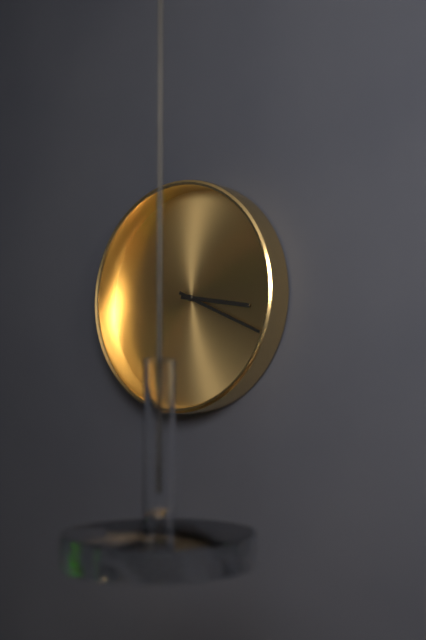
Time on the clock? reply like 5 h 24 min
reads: 3 h 19 min
